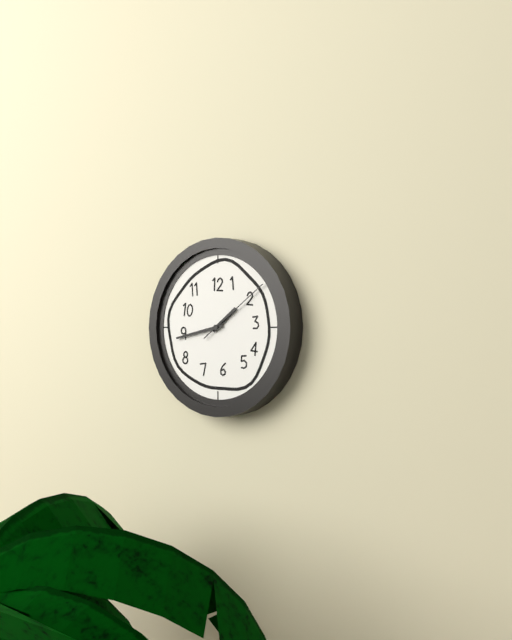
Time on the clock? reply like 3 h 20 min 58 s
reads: 1 h 43 min 09 s
